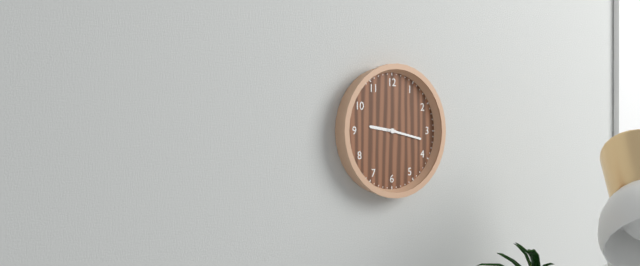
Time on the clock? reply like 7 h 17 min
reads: 9 h 17 min
